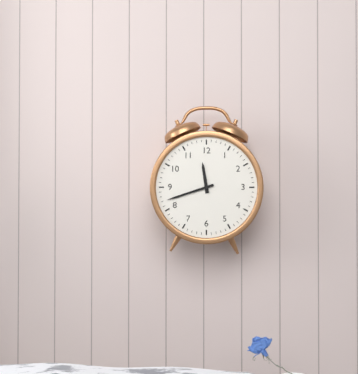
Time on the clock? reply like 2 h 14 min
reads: 11 h 42 min
